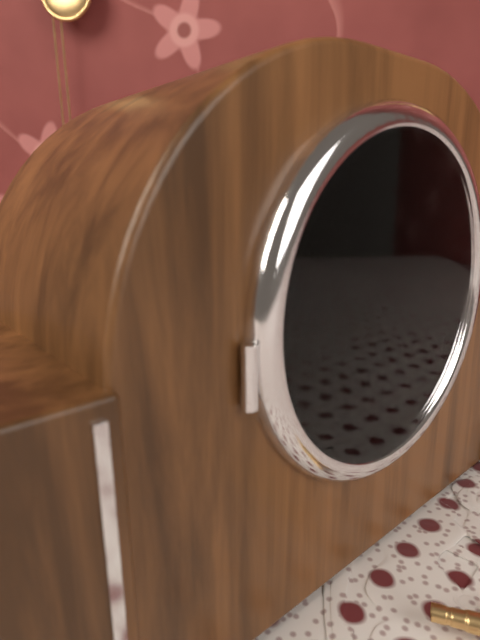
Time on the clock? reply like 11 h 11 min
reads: 10 h 44 min
